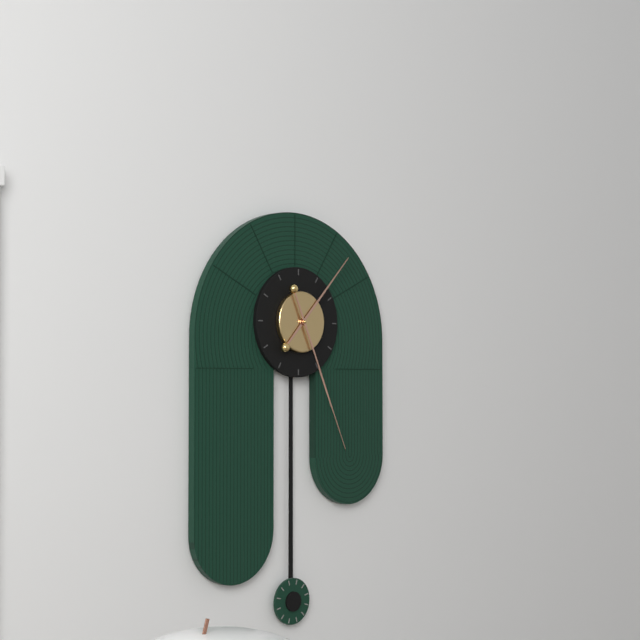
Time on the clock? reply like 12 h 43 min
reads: 1 h 26 min
